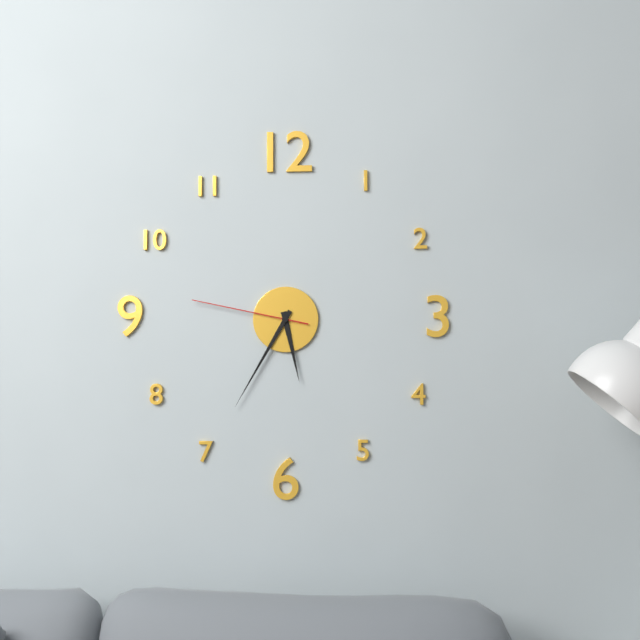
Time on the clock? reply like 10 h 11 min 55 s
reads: 5 h 35 min 47 s
